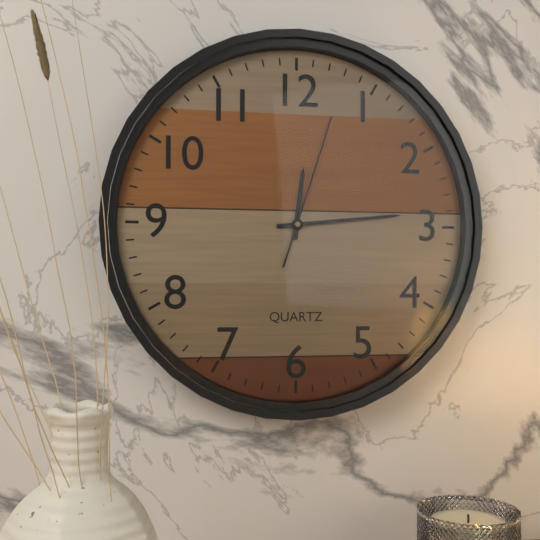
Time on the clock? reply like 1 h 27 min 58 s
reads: 12 h 14 min 03 s
